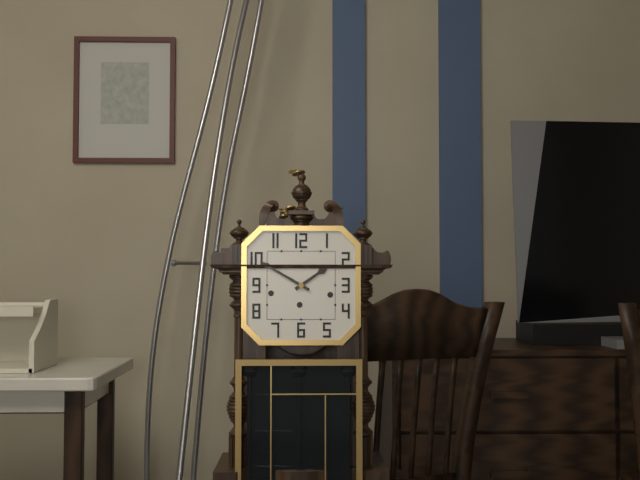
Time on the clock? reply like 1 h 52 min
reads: 1 h 50 min
